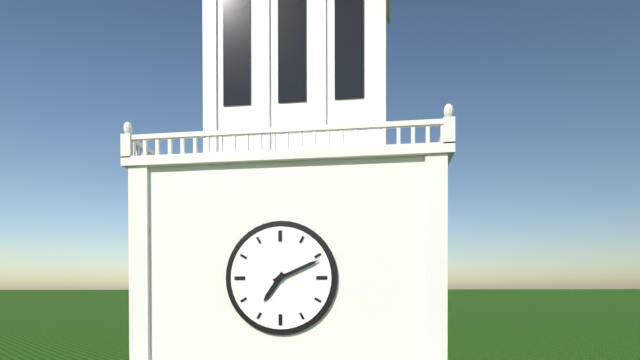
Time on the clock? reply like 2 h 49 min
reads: 7 h 11 min
